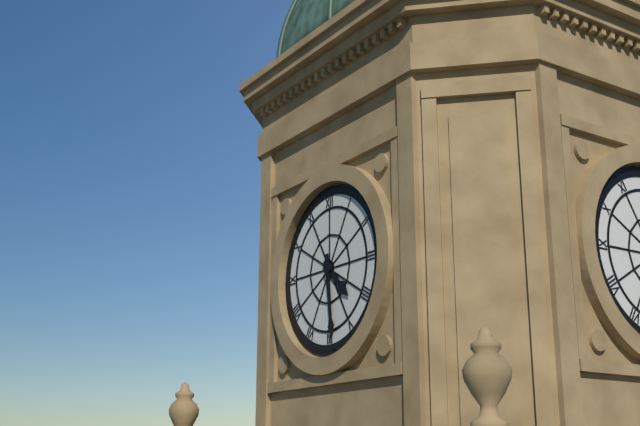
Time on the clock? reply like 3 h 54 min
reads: 4 h 29 min
